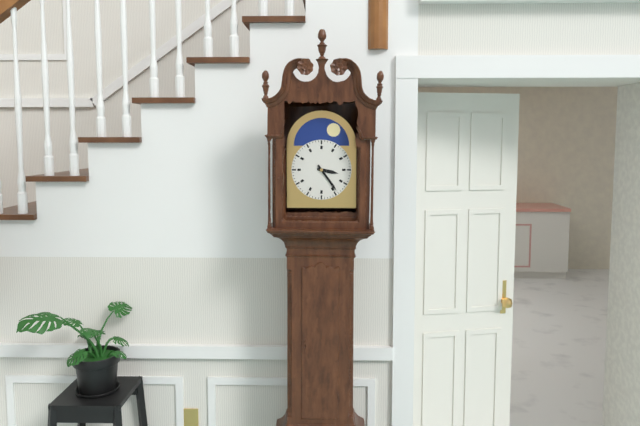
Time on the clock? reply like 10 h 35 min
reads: 3 h 24 min
